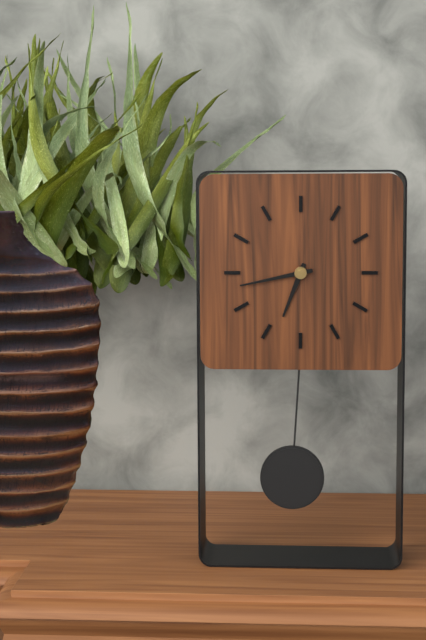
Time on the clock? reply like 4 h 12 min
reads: 6 h 43 min
